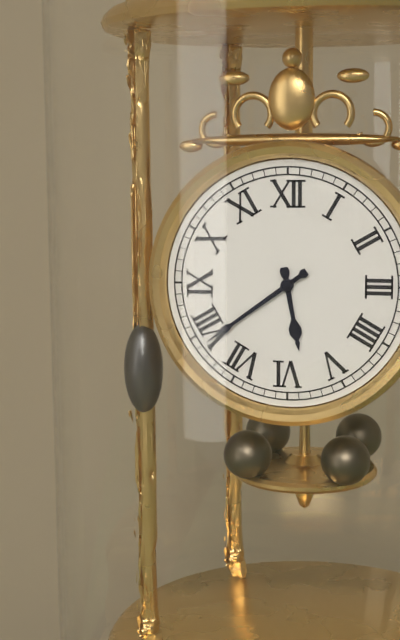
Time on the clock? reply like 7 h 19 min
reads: 5 h 39 min
